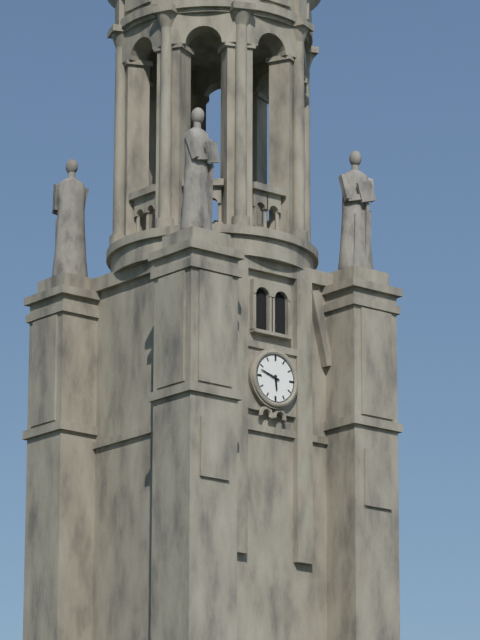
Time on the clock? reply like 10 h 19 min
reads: 5 h 48 min
